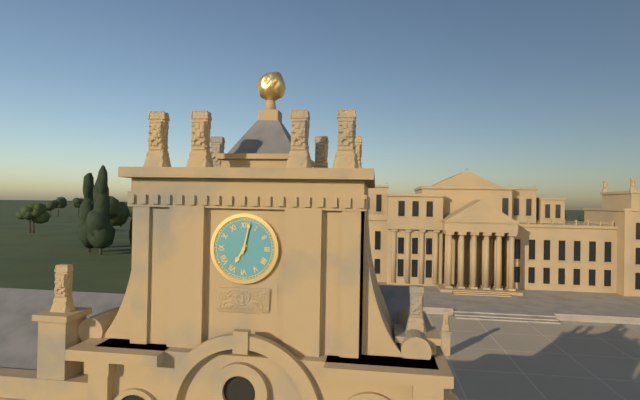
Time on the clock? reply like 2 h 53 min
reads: 7 h 02 min
